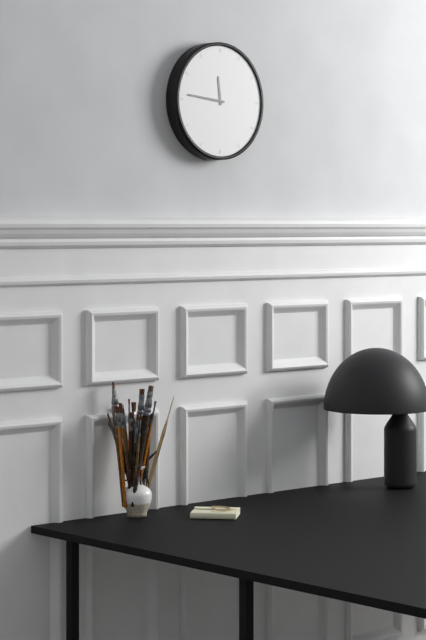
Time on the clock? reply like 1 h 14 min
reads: 11 h 46 min
